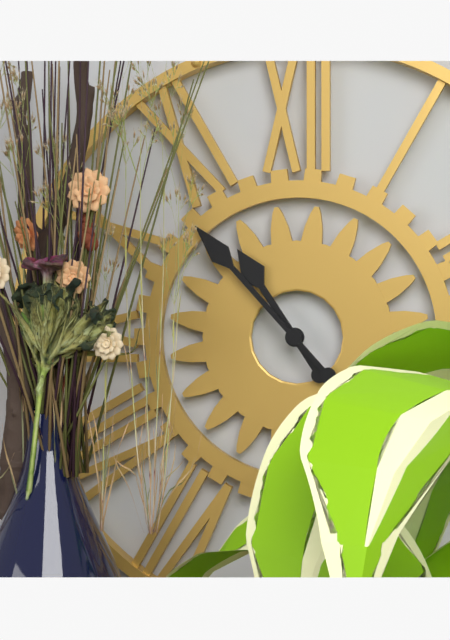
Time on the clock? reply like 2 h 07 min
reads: 10 h 53 min
